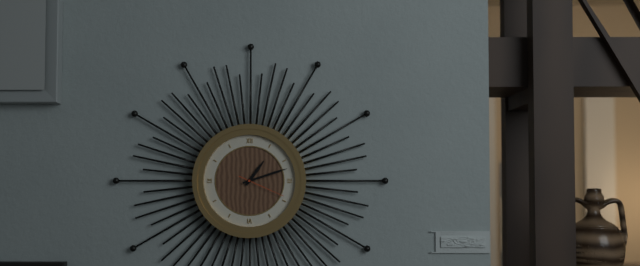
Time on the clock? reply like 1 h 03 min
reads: 1 h 12 min
